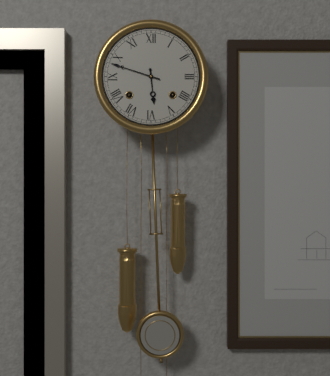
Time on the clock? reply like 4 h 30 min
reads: 5 h 48 min
